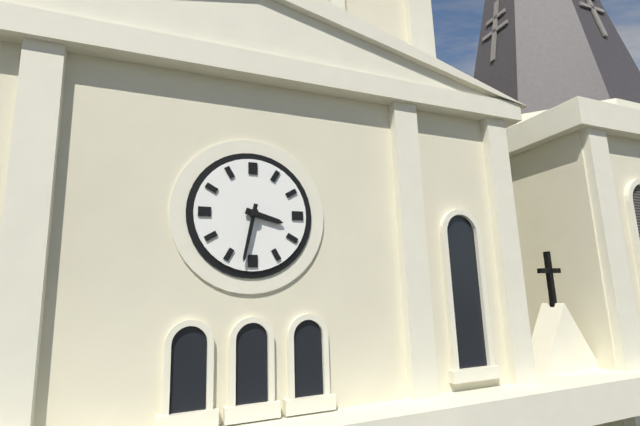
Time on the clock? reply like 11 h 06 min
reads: 3 h 32 min
